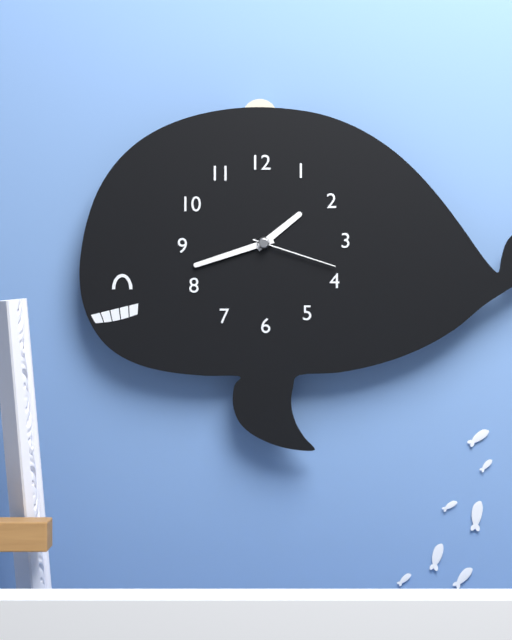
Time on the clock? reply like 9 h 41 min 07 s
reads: 1 h 42 min 18 s
